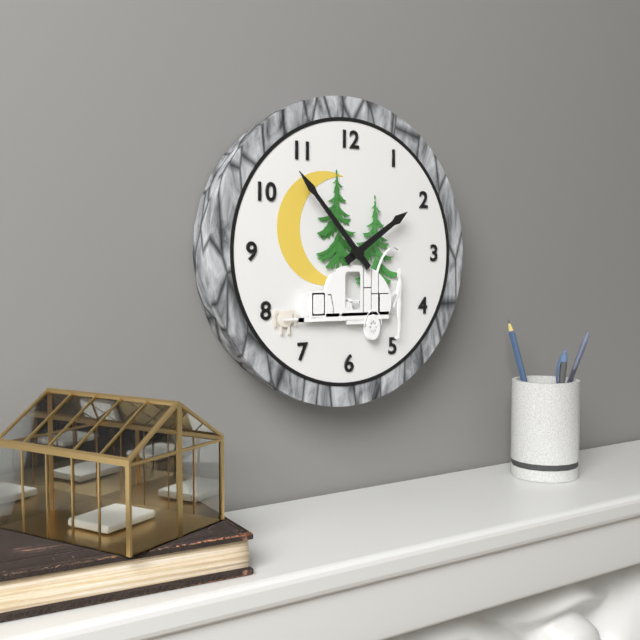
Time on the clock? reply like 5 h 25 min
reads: 1 h 53 min
